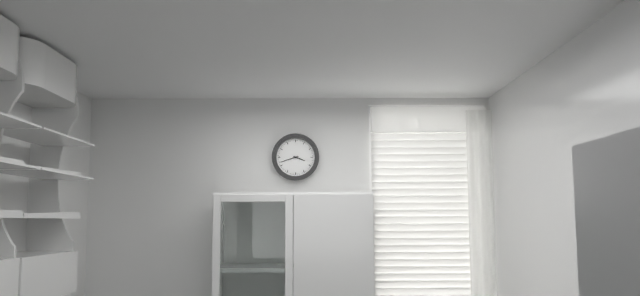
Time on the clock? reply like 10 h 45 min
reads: 3 h 42 min
